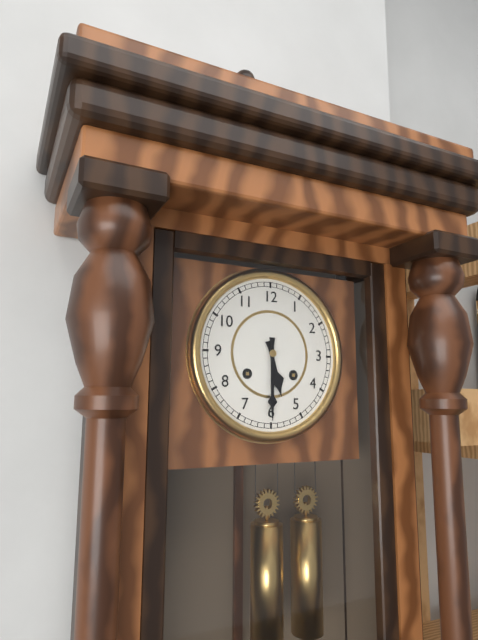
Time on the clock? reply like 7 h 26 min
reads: 5 h 30 min
